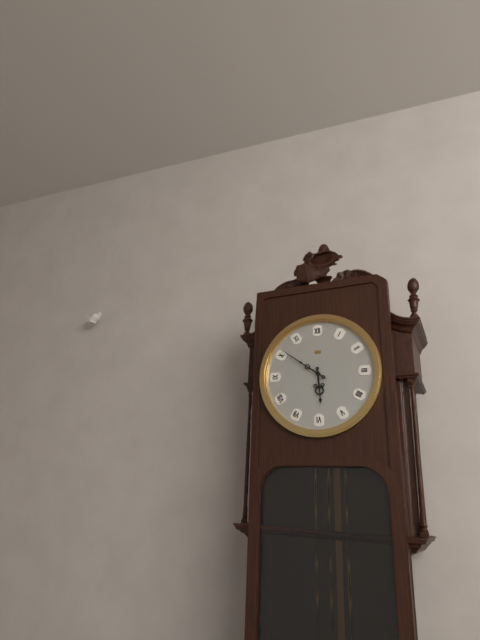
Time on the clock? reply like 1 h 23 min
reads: 5 h 51 min
